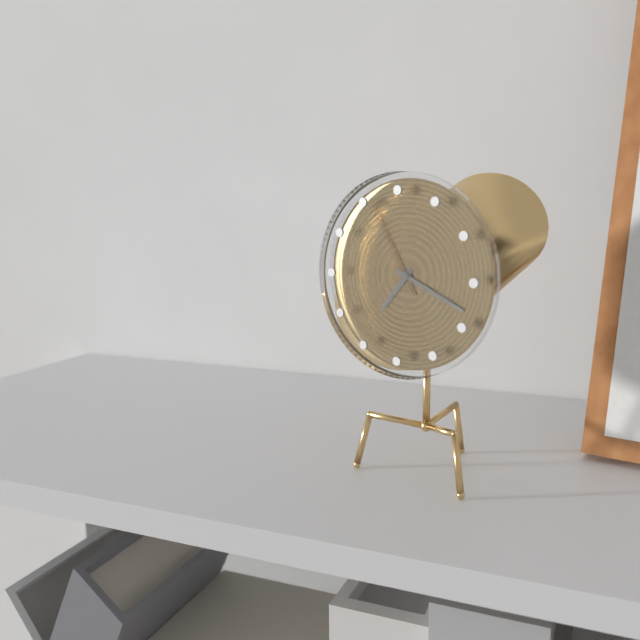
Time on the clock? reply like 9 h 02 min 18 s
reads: 7 h 19 min 55 s
